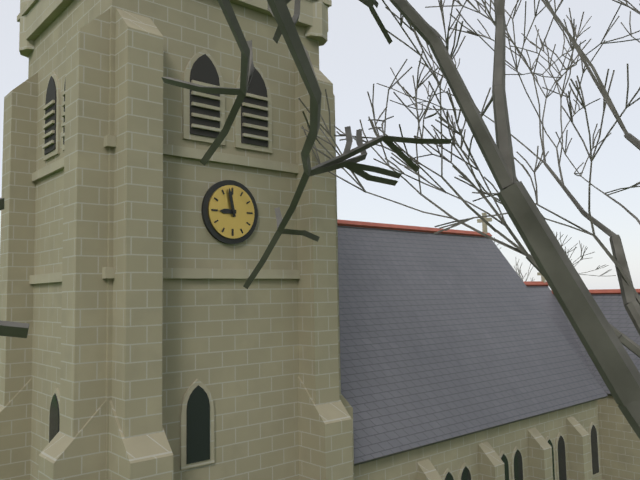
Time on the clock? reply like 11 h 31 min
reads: 8 h 58 min
